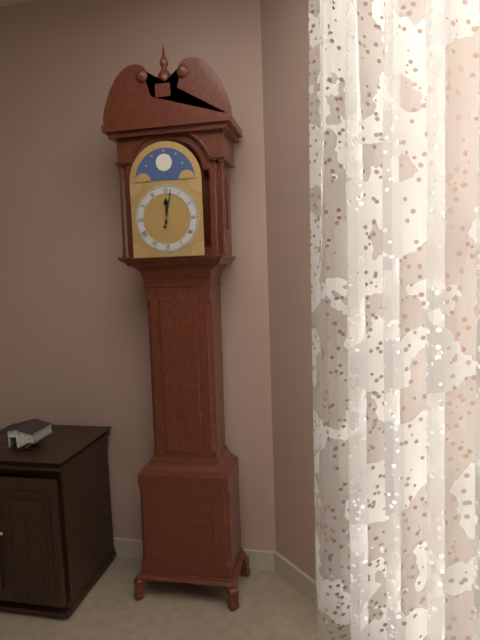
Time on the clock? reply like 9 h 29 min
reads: 12 h 02 min
